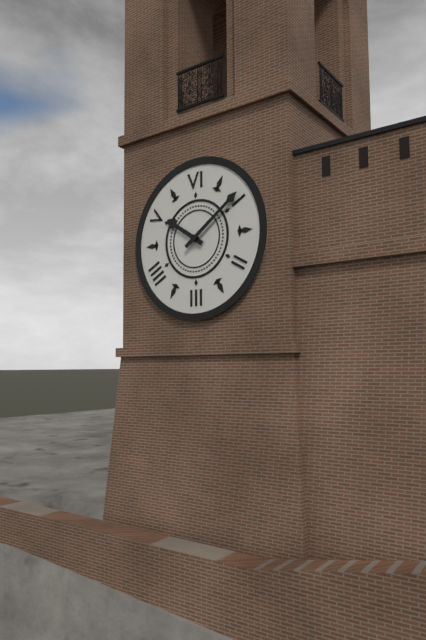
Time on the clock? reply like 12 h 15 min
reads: 10 h 09 min
